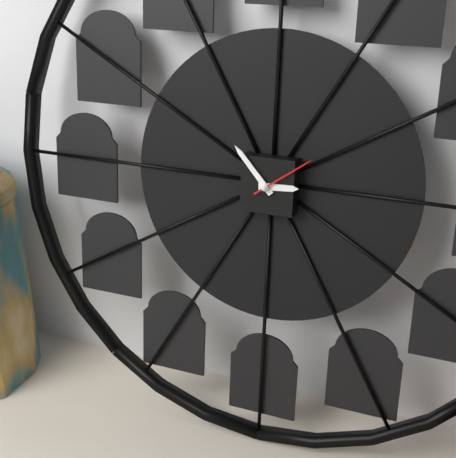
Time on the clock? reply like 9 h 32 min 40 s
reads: 2 h 53 min 09 s
